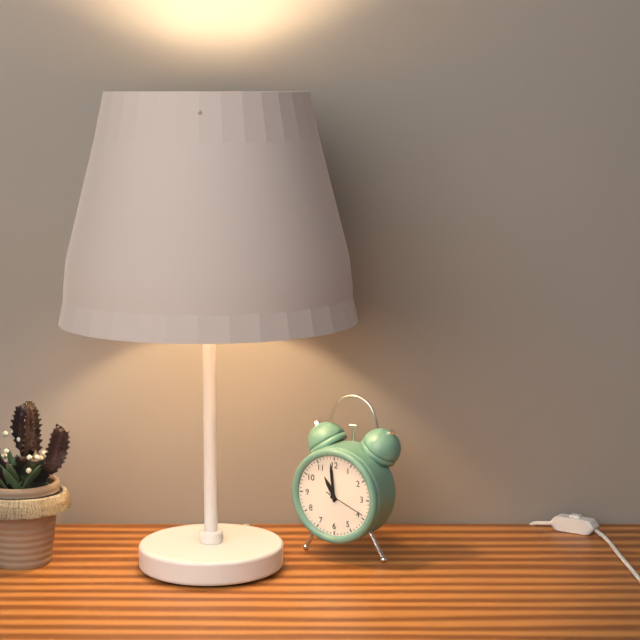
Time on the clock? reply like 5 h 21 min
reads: 10 h 59 min
